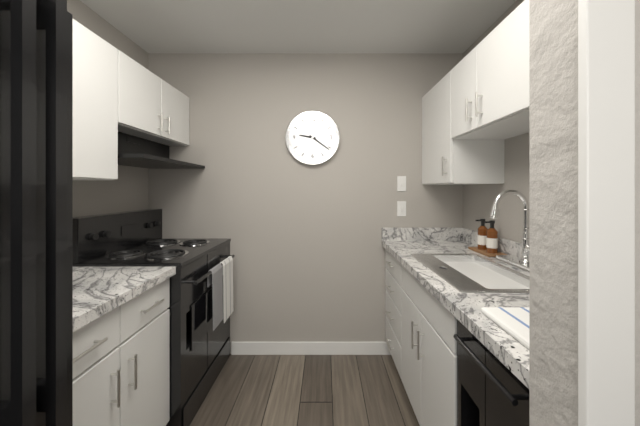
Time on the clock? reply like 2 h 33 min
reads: 9 h 21 min
